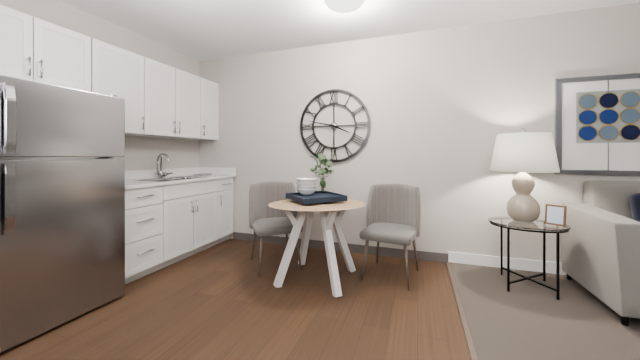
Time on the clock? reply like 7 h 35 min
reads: 3 h 47 min
